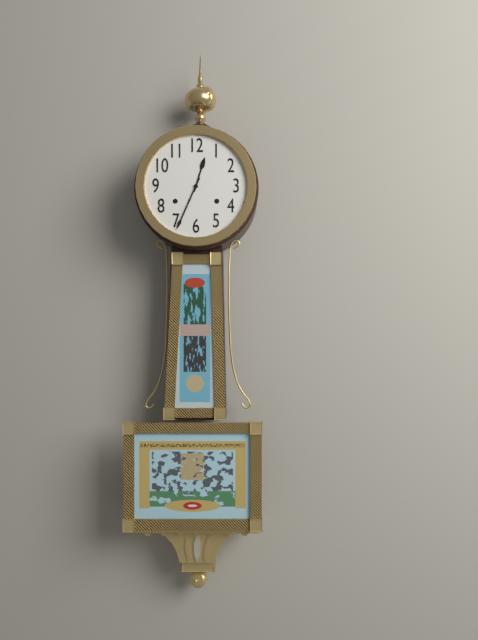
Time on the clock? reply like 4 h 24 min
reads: 12 h 34 min
